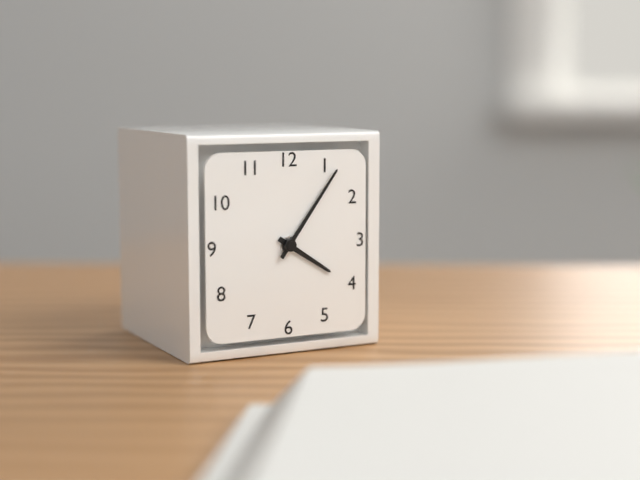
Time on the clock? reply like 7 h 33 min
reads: 4 h 06 min
